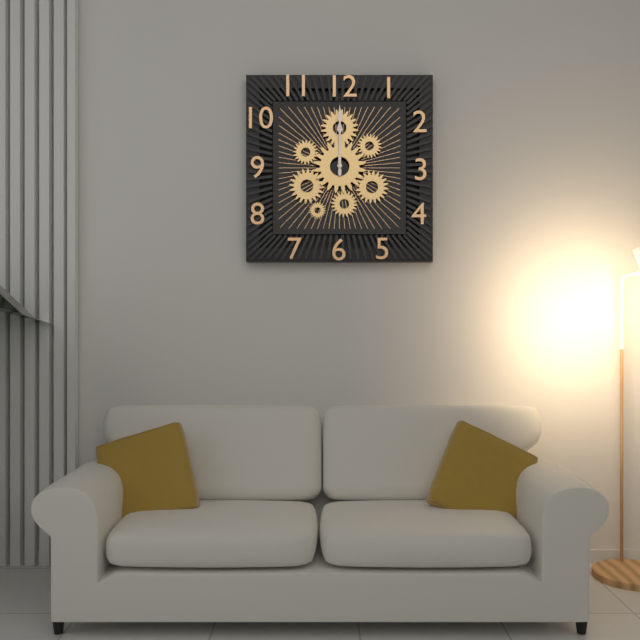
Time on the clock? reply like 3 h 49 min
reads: 12 h 00 min
